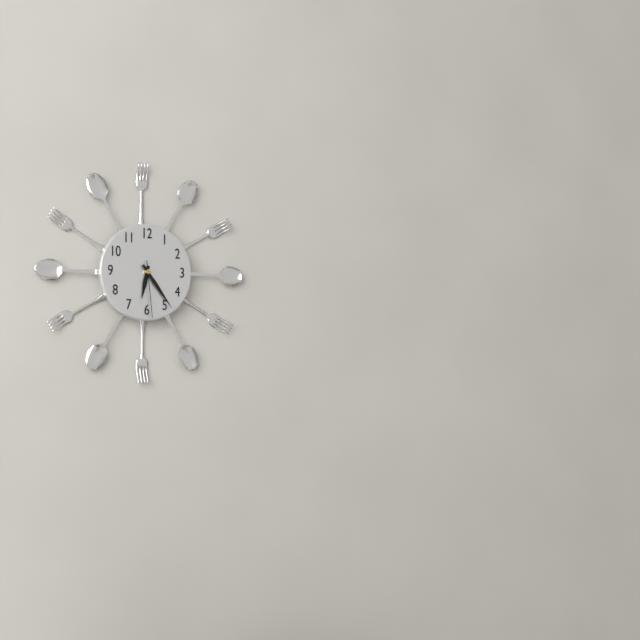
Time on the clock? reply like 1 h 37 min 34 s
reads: 6 h 24 min 29 s
